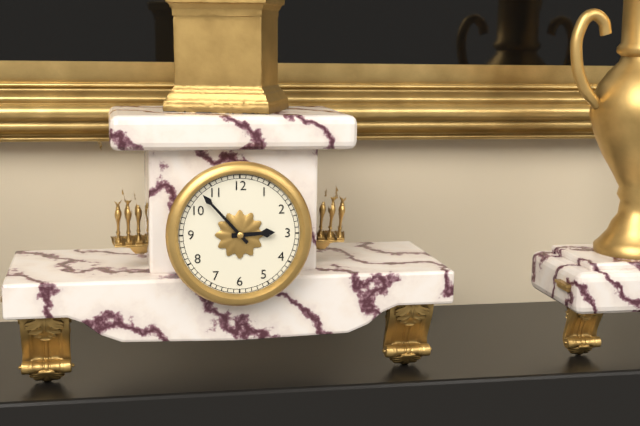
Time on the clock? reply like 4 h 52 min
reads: 2 h 53 min
